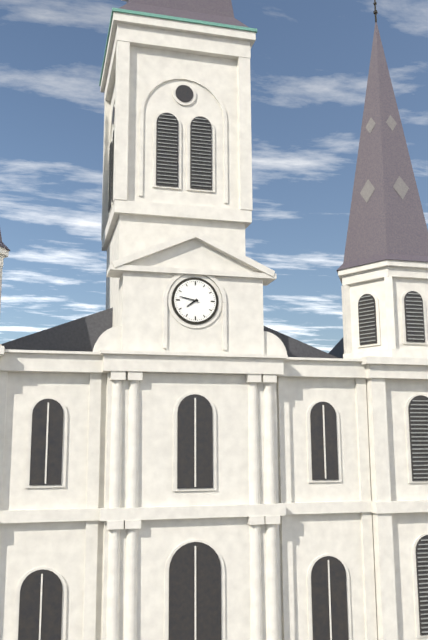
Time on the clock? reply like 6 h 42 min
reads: 7 h 47 min
